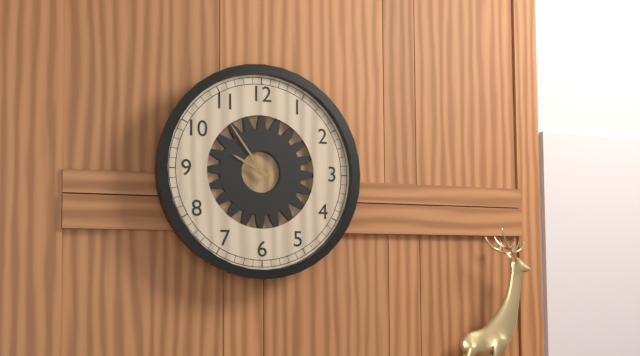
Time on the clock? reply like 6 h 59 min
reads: 9 h 54 min
